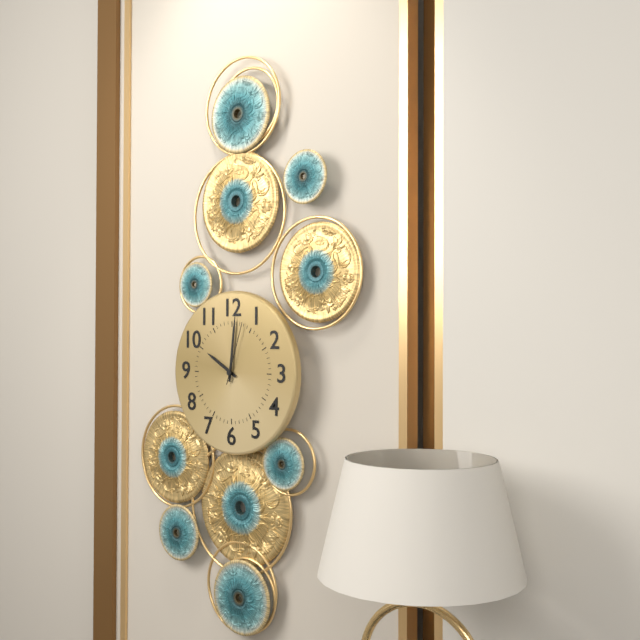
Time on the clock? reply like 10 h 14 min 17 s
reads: 10 h 01 min 03 s
